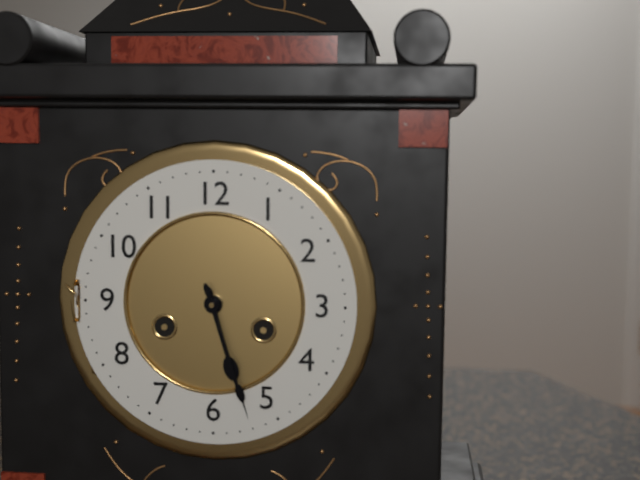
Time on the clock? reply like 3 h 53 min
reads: 5 h 27 min
